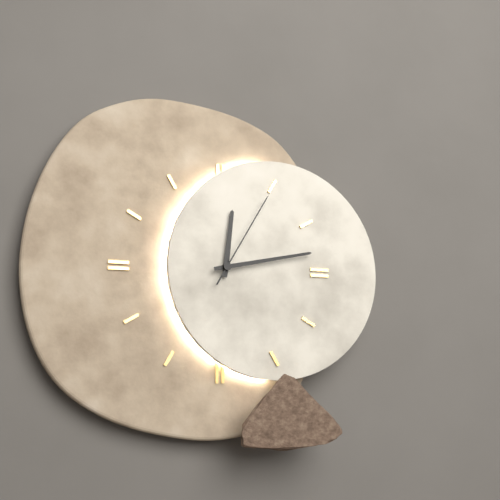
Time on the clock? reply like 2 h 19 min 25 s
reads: 12 h 13 min 05 s
